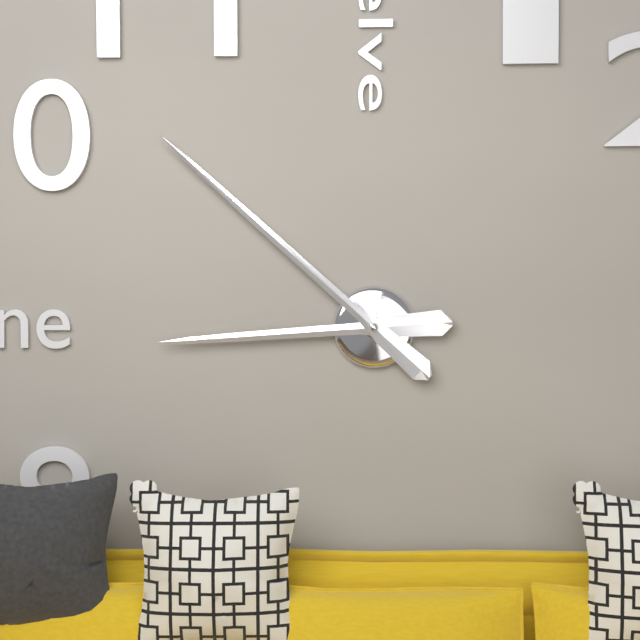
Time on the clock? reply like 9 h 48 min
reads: 8 h 52 min
